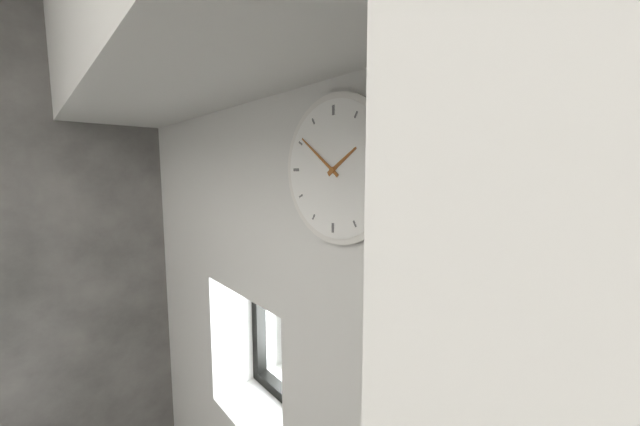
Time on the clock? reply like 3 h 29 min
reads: 1 h 51 min
